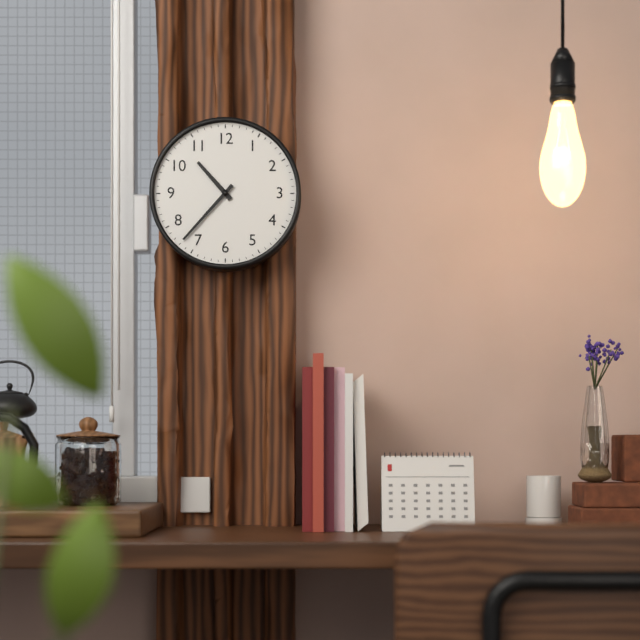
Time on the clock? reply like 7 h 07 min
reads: 10 h 37 min
